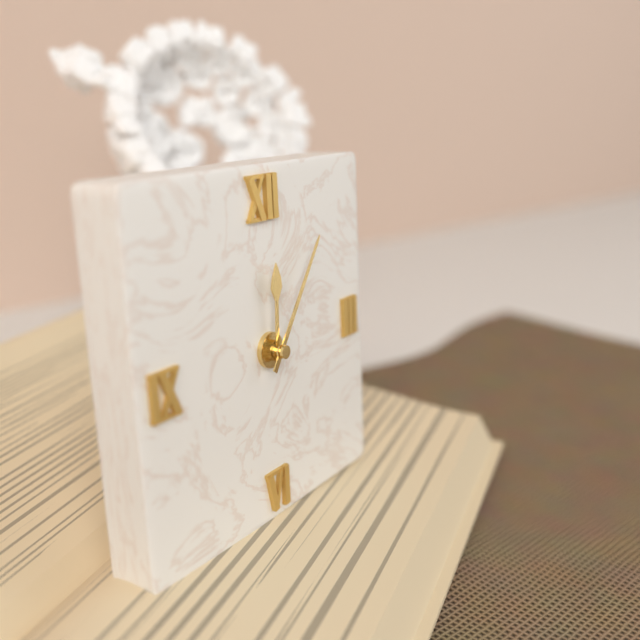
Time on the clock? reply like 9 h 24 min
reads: 12 h 06 min
